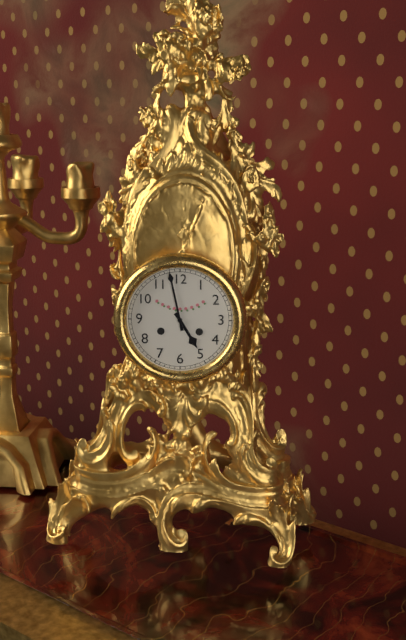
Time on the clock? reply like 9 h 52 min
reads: 4 h 58 min
